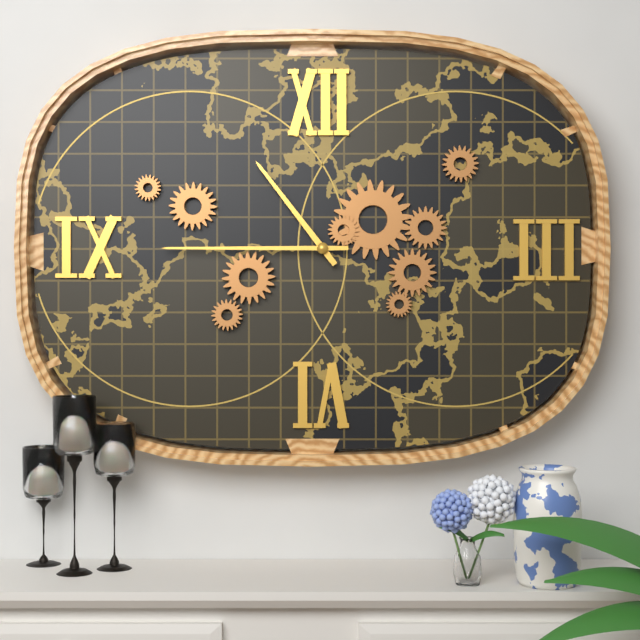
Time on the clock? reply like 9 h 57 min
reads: 10 h 45 min
